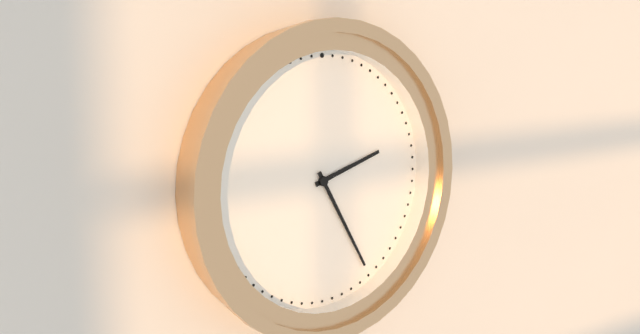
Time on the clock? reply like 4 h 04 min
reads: 2 h 25 min
